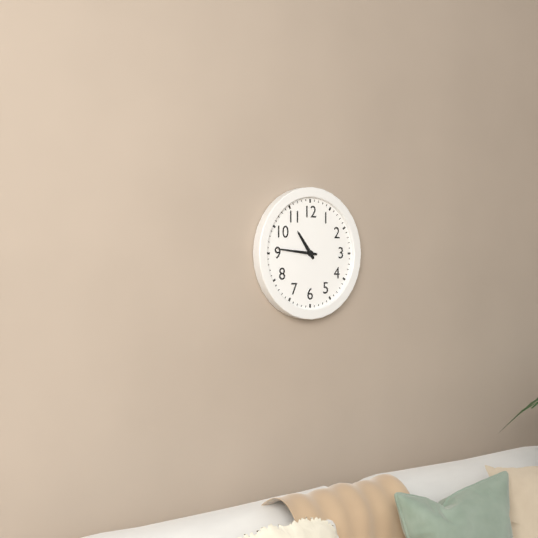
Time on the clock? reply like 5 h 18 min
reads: 10 h 46 min
